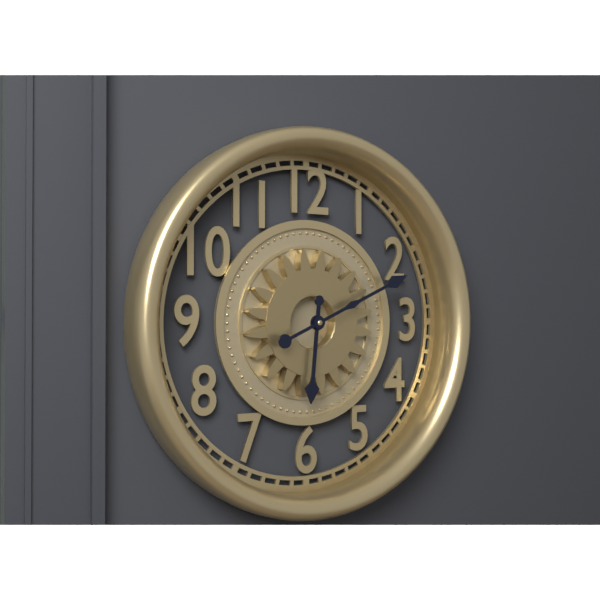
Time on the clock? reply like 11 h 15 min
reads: 6 h 11 min
